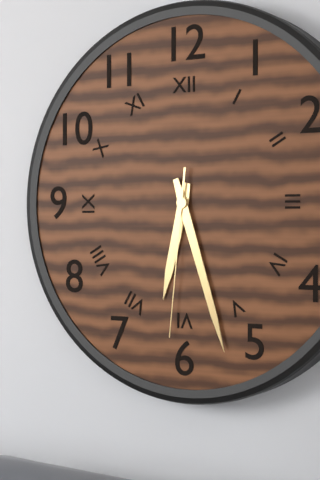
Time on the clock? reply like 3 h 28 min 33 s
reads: 6 h 27 min 31 s
